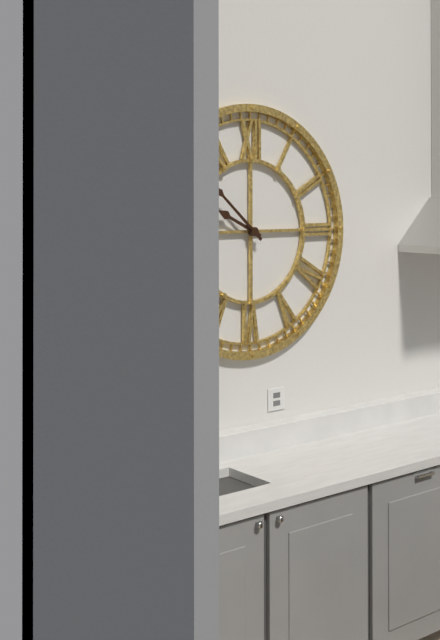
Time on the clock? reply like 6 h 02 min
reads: 9 h 52 min
